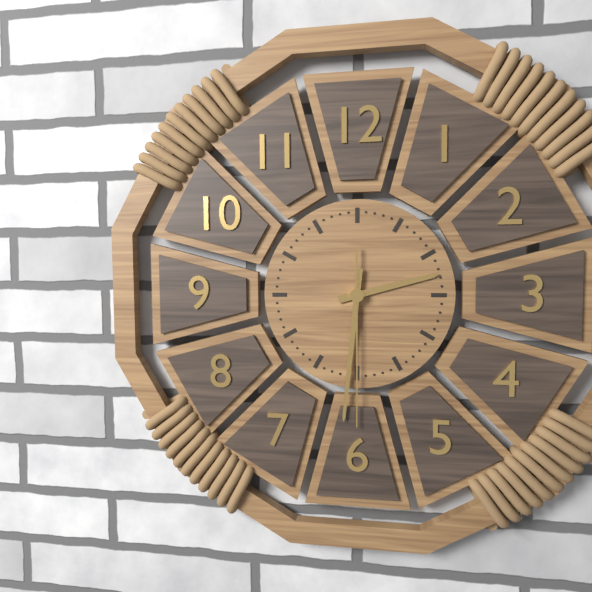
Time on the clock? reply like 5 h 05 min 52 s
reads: 2 h 31 min 30 s
